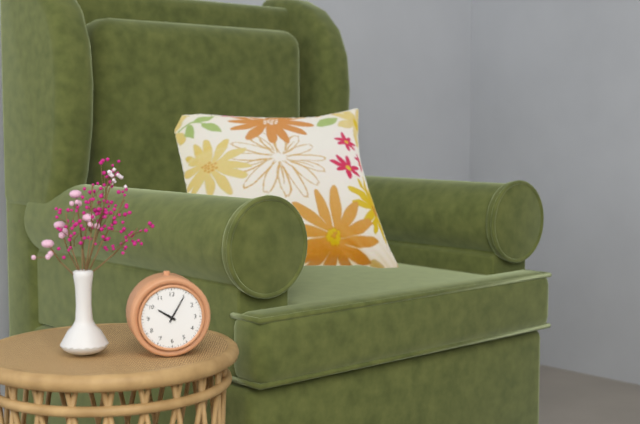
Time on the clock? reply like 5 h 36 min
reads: 10 h 05 min
